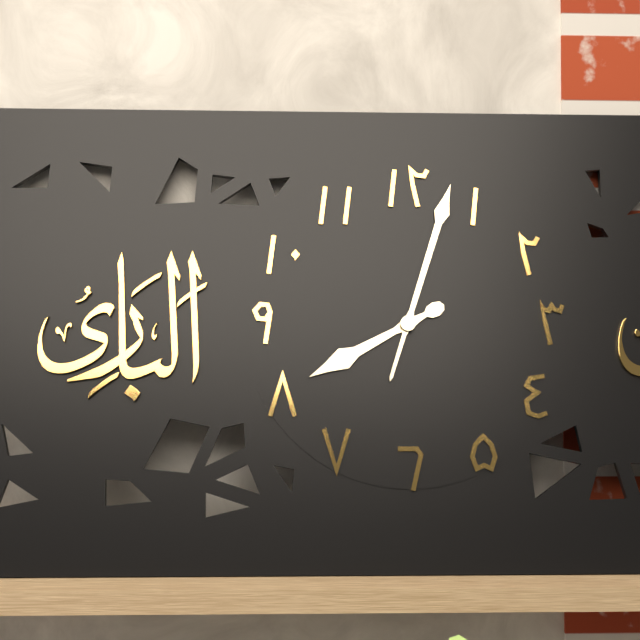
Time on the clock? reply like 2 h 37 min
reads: 8 h 03 min
